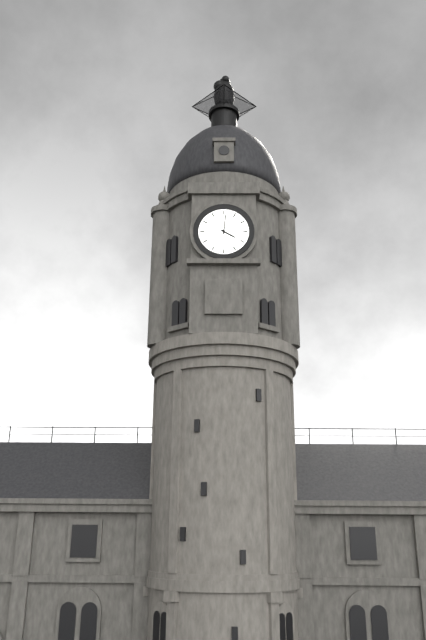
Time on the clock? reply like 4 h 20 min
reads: 4 h 01 min
